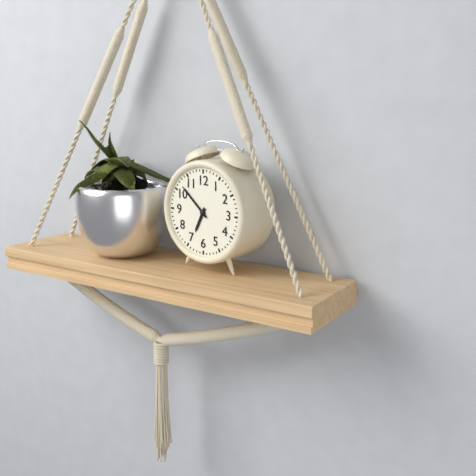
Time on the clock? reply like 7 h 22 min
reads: 6 h 52 min
